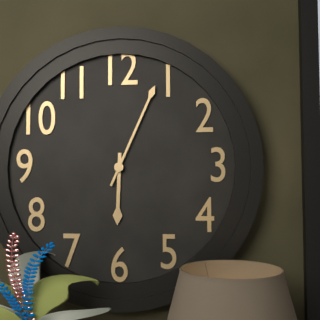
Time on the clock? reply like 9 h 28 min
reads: 6 h 04 min
